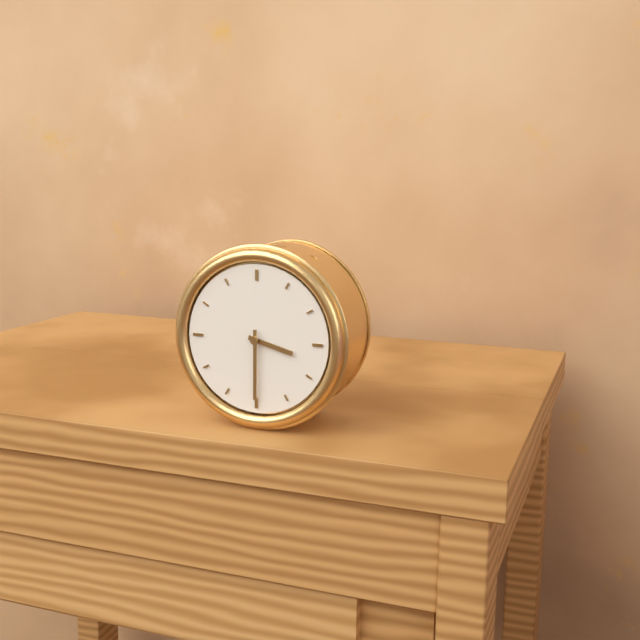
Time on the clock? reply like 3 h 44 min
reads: 3 h 30 min
